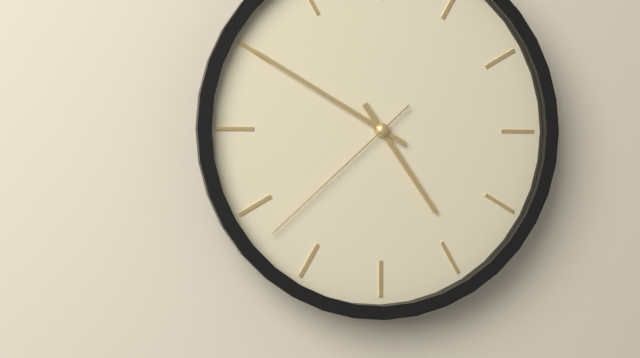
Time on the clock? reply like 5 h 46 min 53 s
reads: 4 h 50 min 38 s
